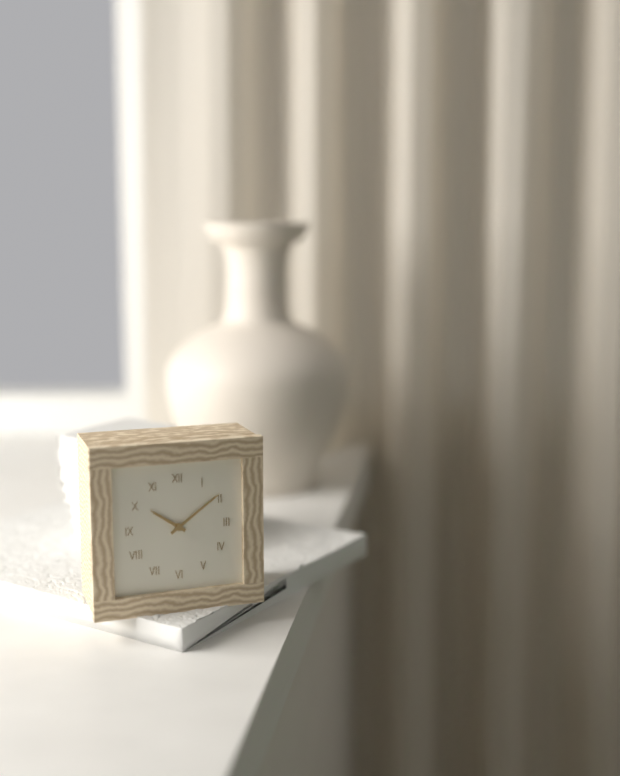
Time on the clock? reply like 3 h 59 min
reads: 10 h 09 min
